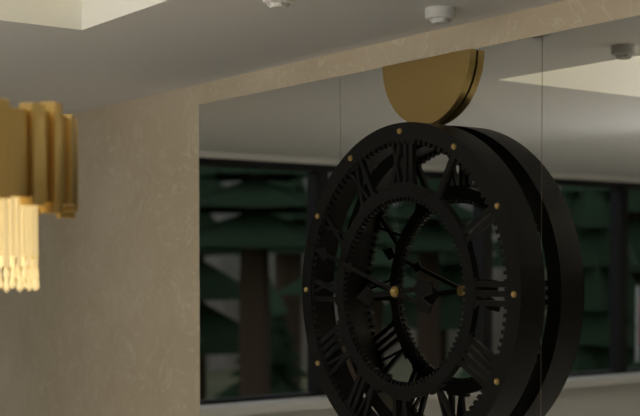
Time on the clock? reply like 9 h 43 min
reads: 8 h 48 min
